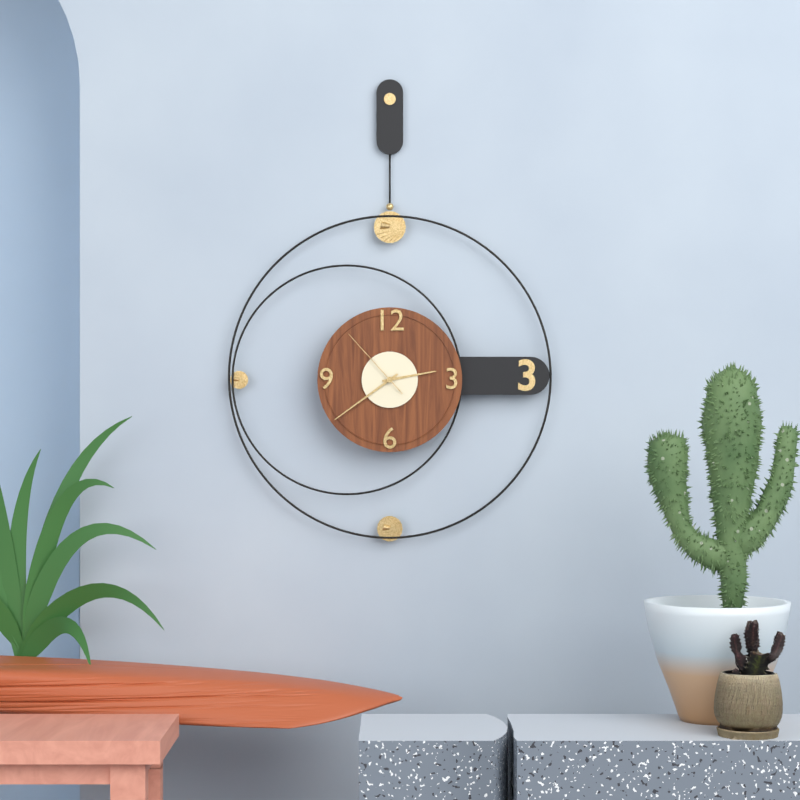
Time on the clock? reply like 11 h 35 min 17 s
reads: 2 h 39 min 53 s
